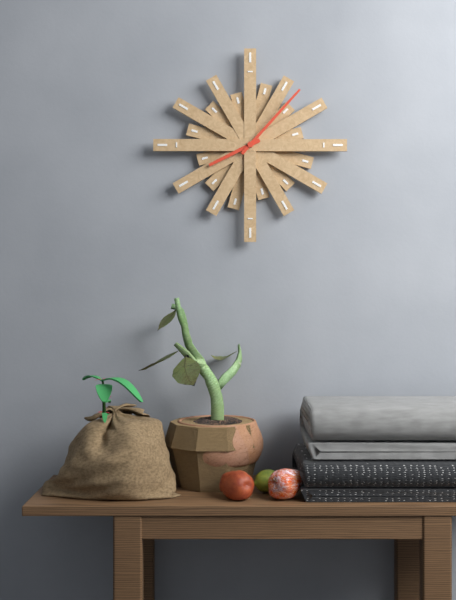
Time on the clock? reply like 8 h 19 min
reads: 8 h 07 min
